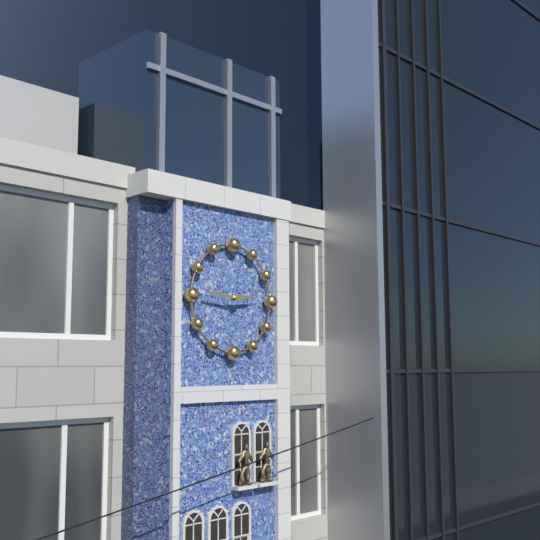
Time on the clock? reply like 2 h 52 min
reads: 2 h 46 min
